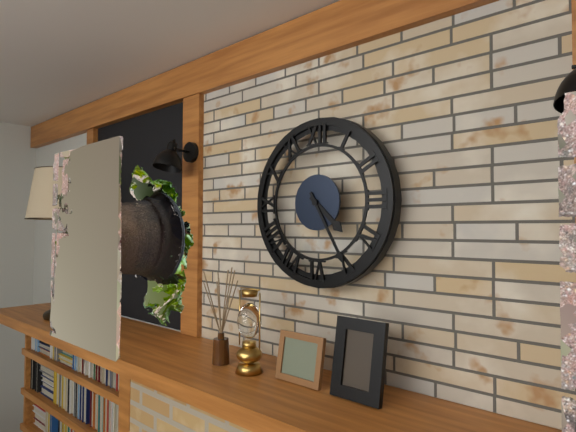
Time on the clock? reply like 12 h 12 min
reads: 4 h 25 min
